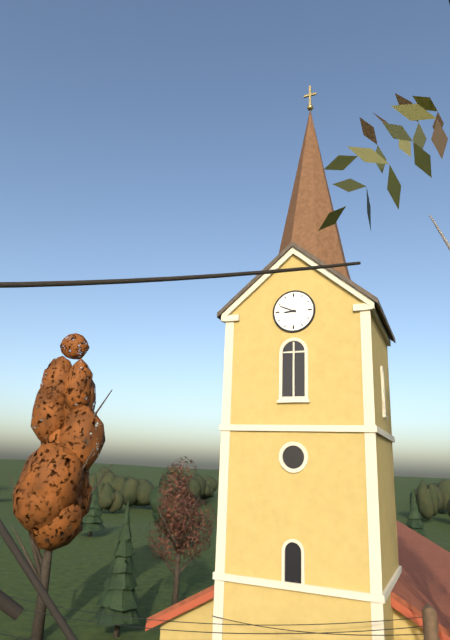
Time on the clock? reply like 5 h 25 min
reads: 8 h 49 min
